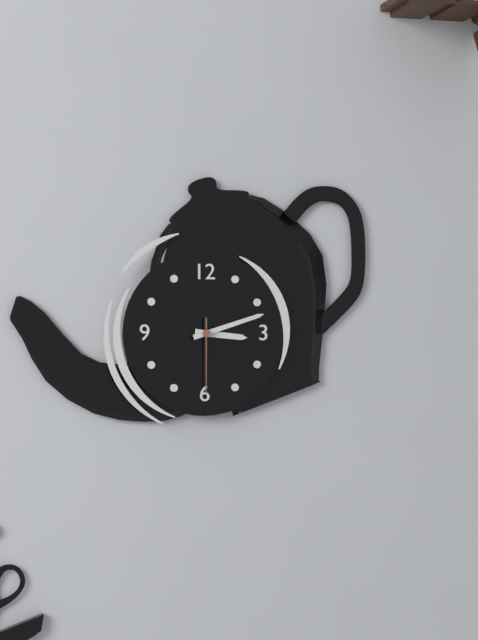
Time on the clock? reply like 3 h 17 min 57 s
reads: 3 h 12 min 30 s
